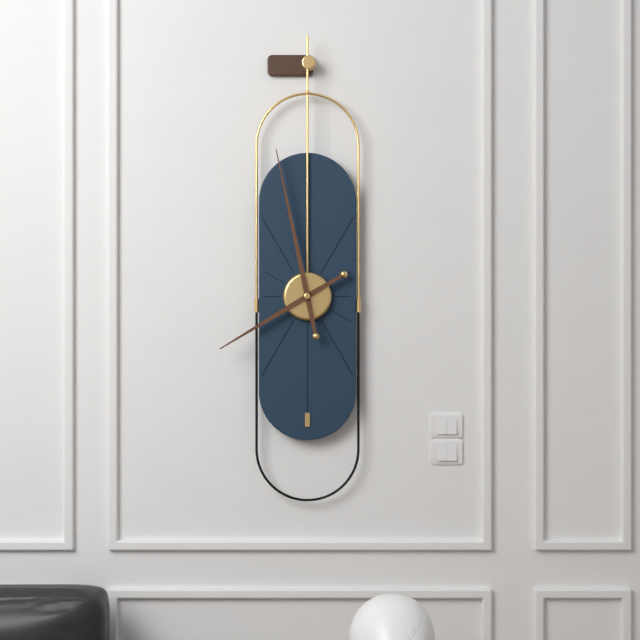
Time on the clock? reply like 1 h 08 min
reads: 7 h 58 min
